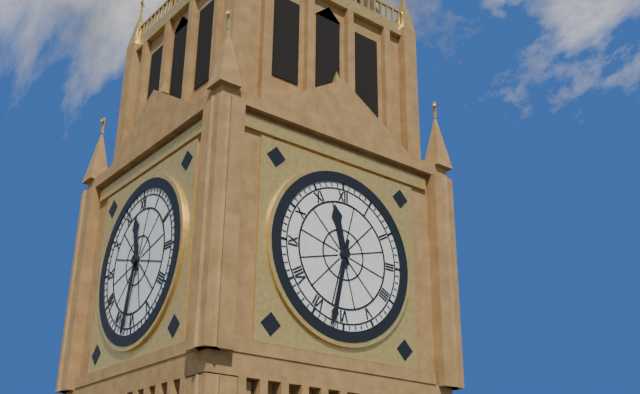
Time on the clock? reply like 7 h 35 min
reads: 11 h 32 min
